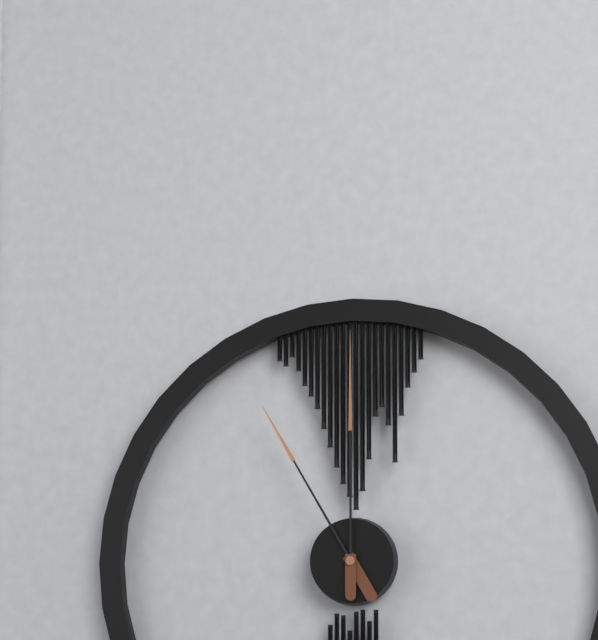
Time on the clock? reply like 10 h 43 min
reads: 11 h 00 min
